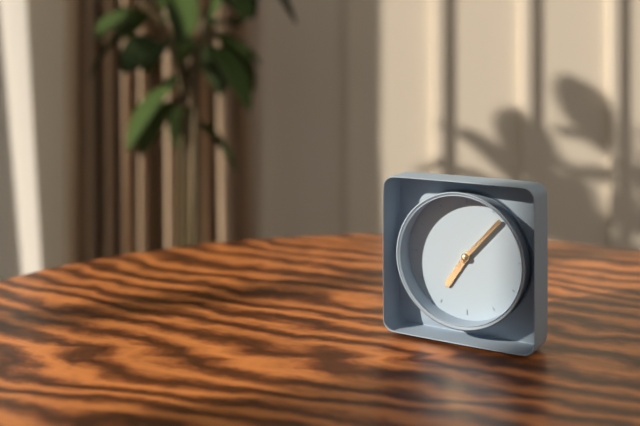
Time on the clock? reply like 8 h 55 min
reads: 7 h 07 min
